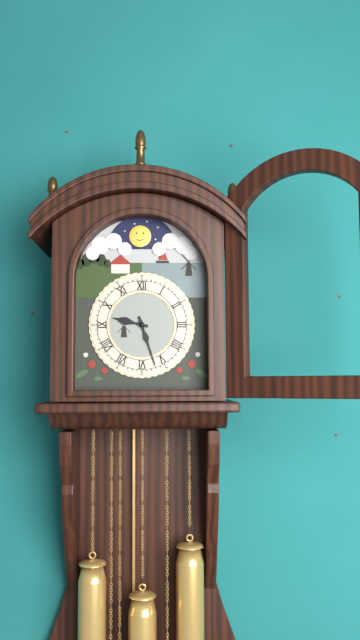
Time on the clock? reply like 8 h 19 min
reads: 9 h 27 min
